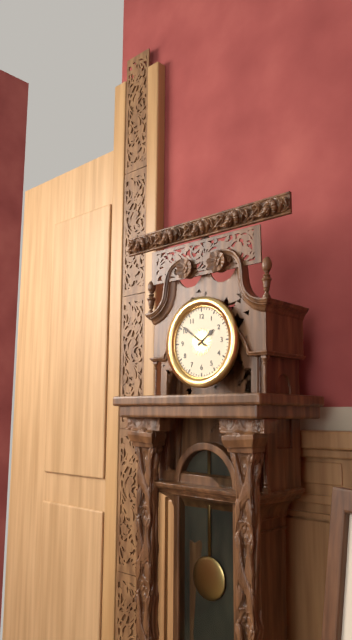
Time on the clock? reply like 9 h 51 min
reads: 1 h 51 min
